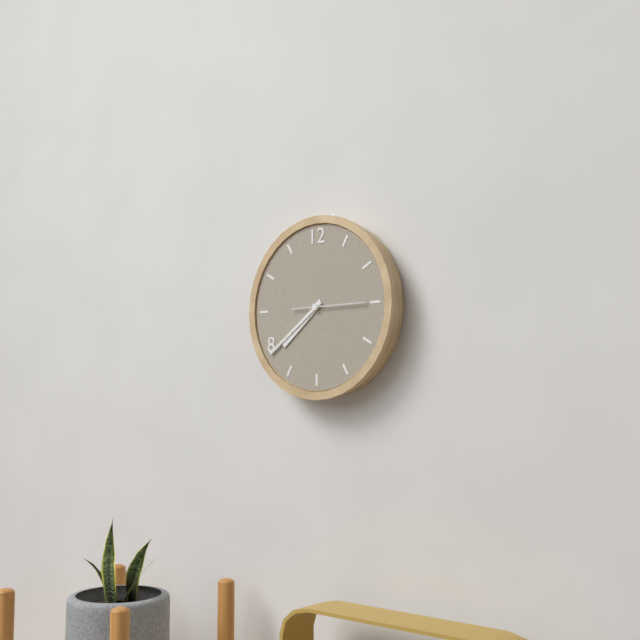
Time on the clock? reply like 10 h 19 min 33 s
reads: 7 h 39 min 15 s
